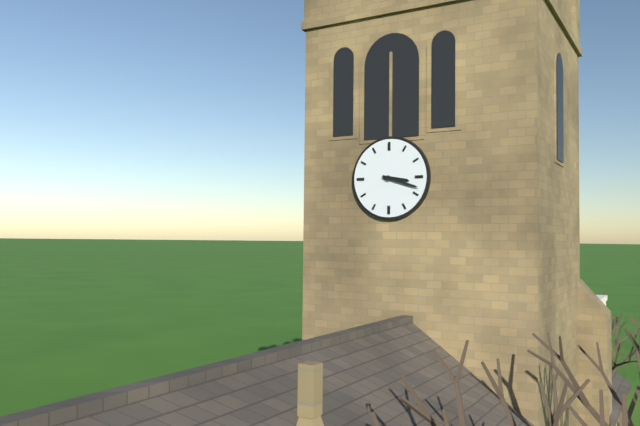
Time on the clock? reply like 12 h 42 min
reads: 3 h 18 min
